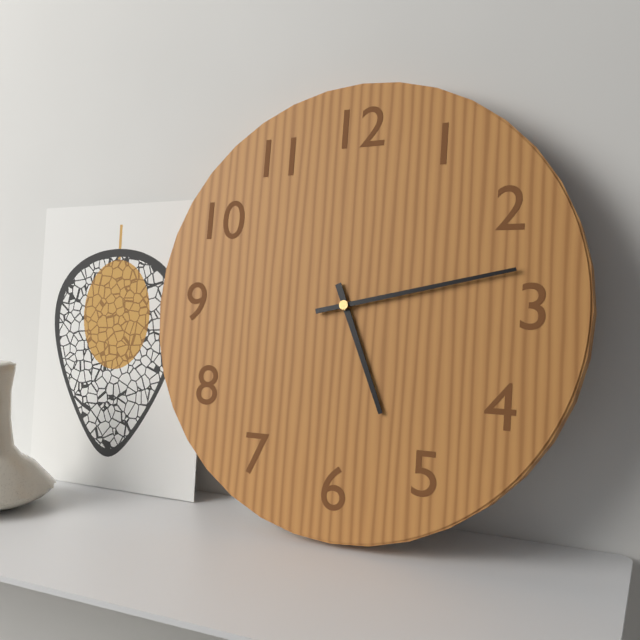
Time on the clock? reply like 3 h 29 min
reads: 5 h 13 min
